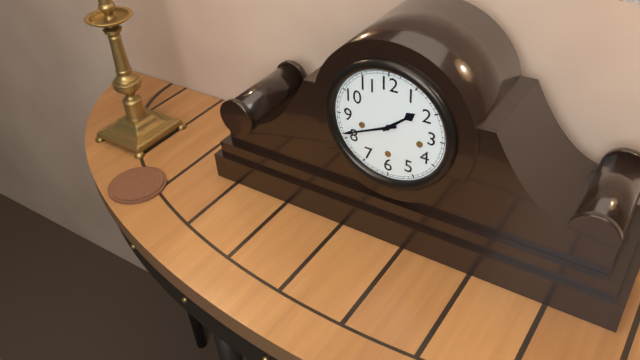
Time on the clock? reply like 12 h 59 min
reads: 1 h 41 min
